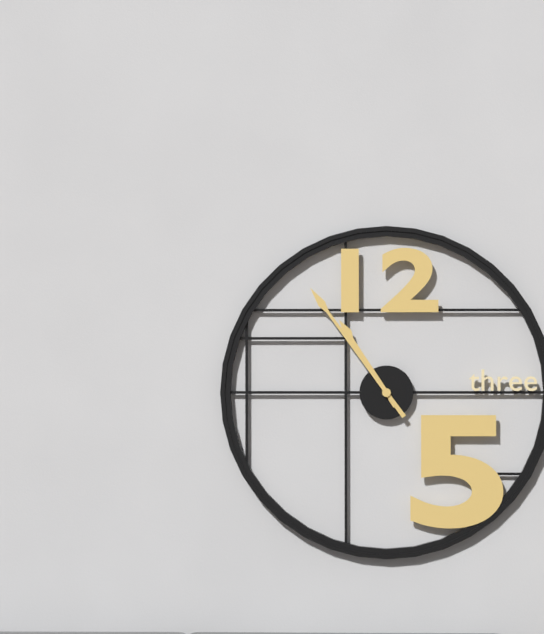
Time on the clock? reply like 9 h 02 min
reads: 10 h 54 min
